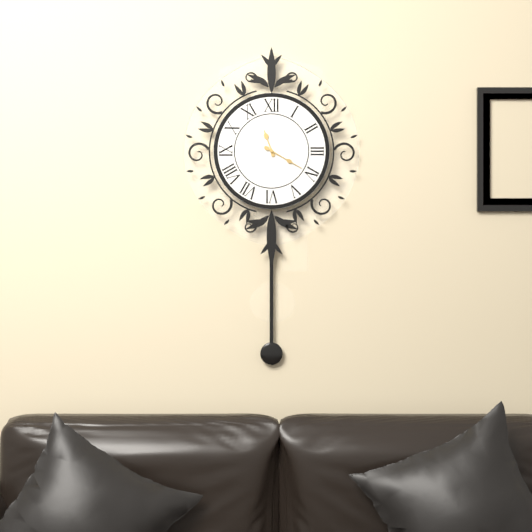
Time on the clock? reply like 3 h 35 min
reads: 11 h 20 min
